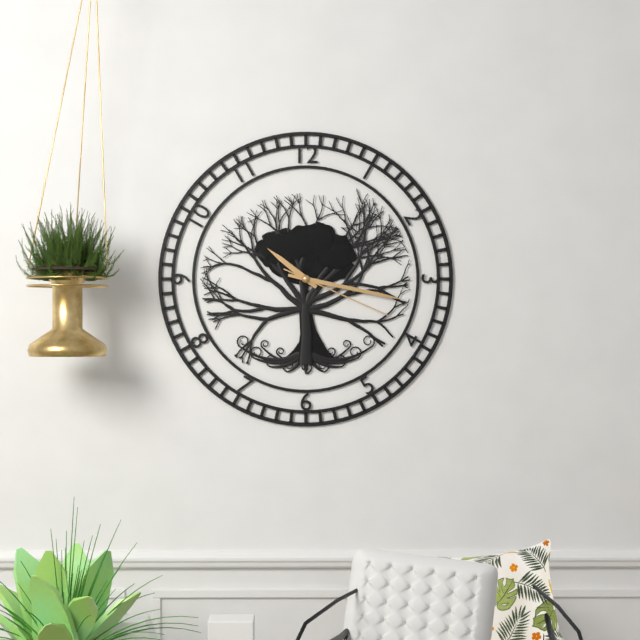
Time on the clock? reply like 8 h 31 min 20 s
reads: 10 h 17 min 19 s
